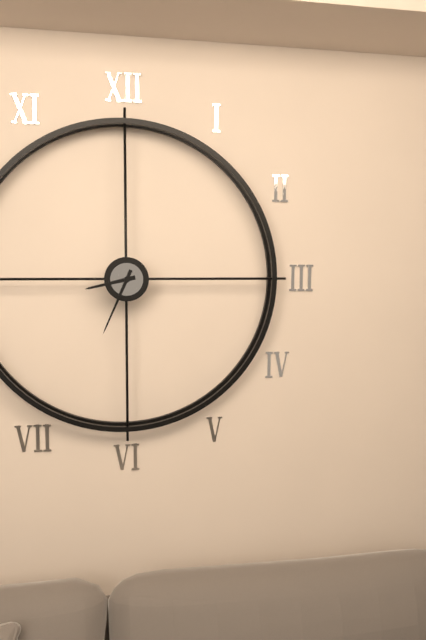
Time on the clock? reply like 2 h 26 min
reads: 8 h 34 min
